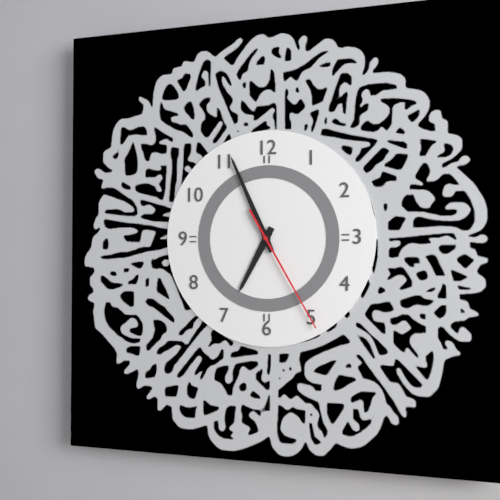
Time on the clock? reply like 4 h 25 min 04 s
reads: 6 h 56 min 25 s
